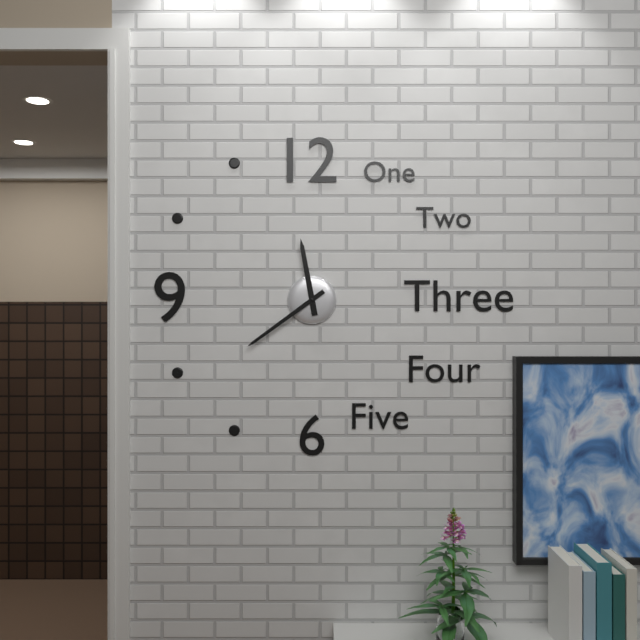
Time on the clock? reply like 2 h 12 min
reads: 11 h 39 min
